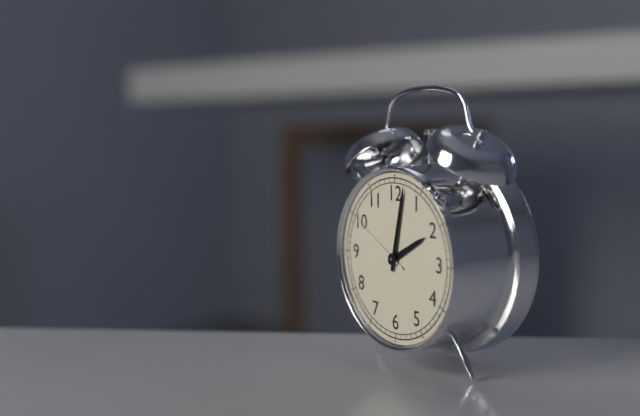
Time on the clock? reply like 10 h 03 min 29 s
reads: 2 h 02 min 50 s
